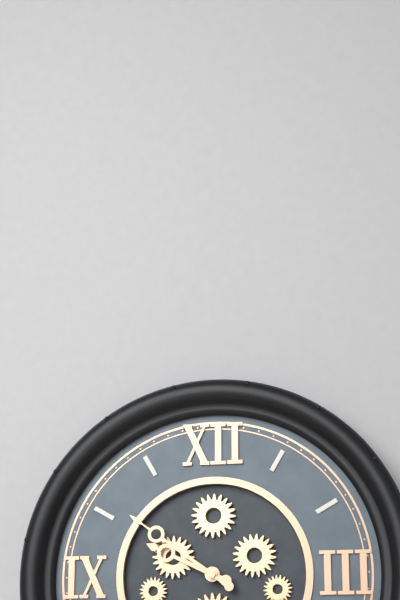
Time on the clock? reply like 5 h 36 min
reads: 9 h 51 min
